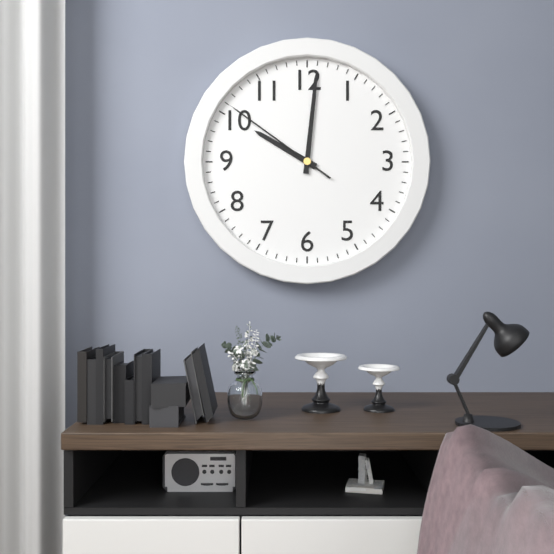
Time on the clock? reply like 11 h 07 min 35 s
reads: 10 h 01 min 51 s
